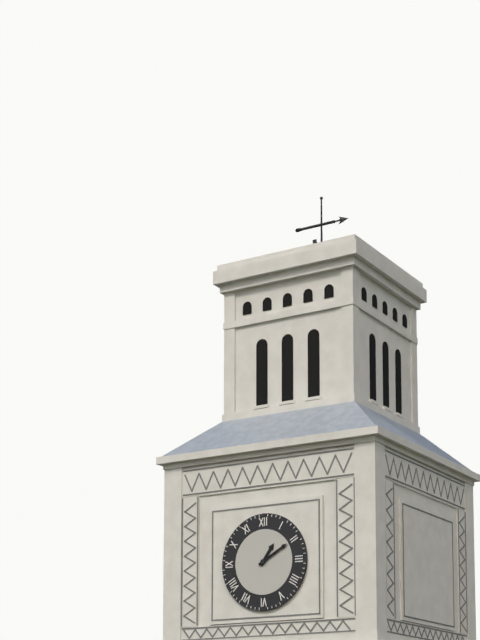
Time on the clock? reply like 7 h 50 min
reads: 1 h 10 min
